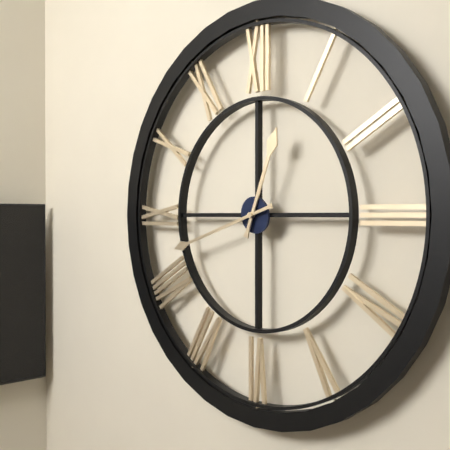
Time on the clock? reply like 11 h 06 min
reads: 12 h 42 min
